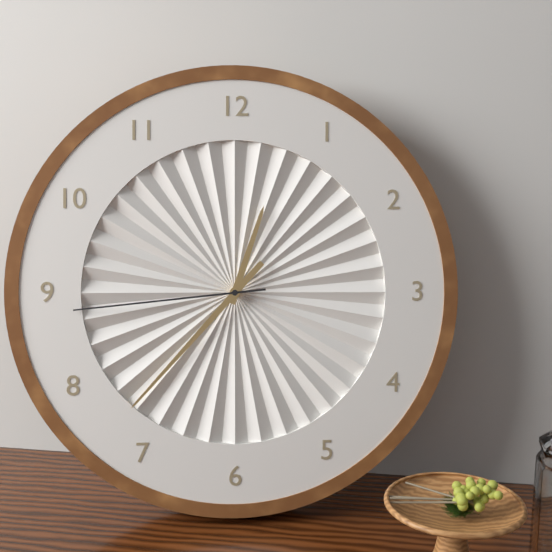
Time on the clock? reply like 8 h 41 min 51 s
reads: 12 h 37 min 44 s
